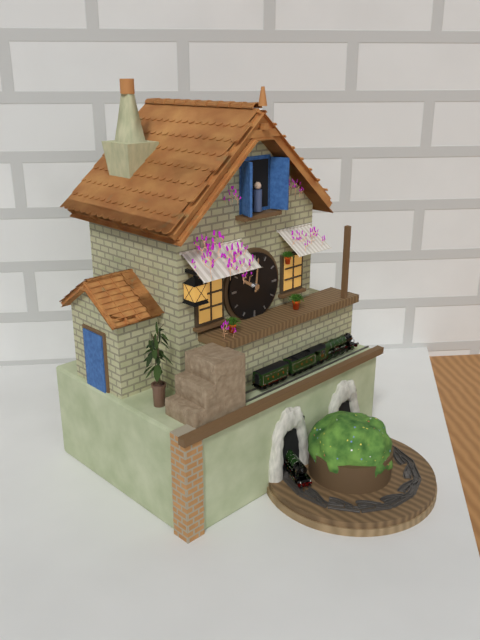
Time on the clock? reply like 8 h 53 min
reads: 10 h 01 min
